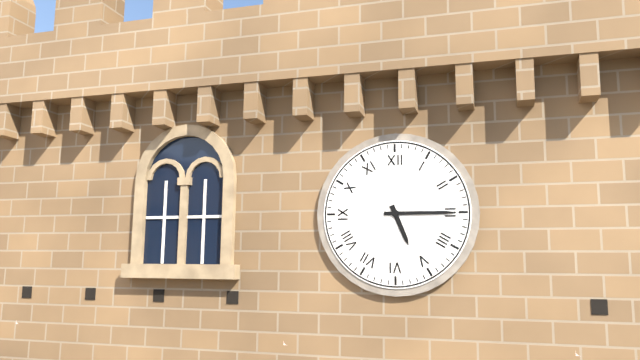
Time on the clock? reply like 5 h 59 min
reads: 5 h 15 min
